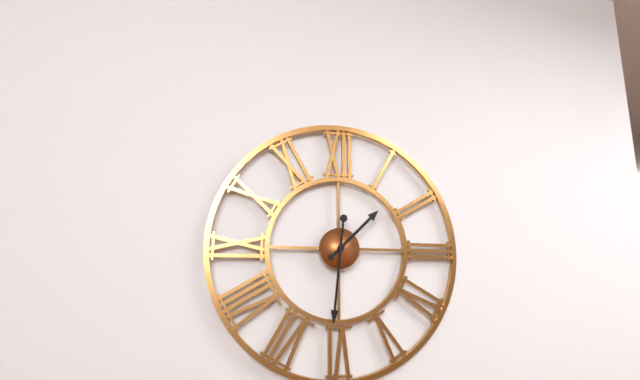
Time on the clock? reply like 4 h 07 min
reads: 1 h 31 min
